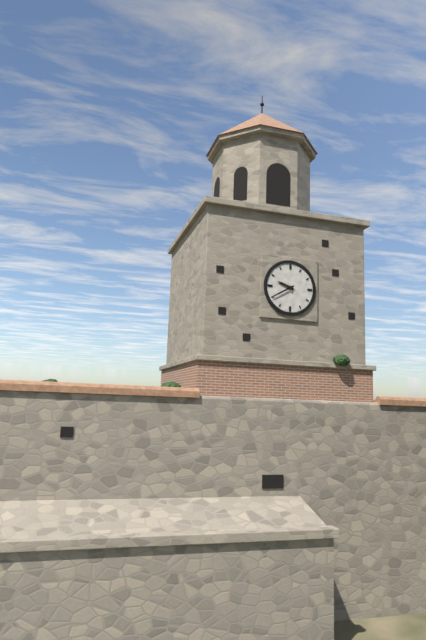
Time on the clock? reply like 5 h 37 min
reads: 9 h 40 min
